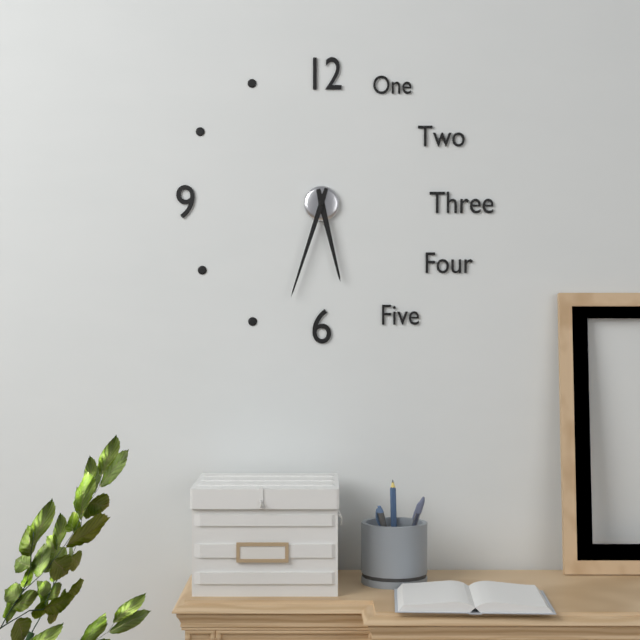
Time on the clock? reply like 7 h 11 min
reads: 5 h 33 min
